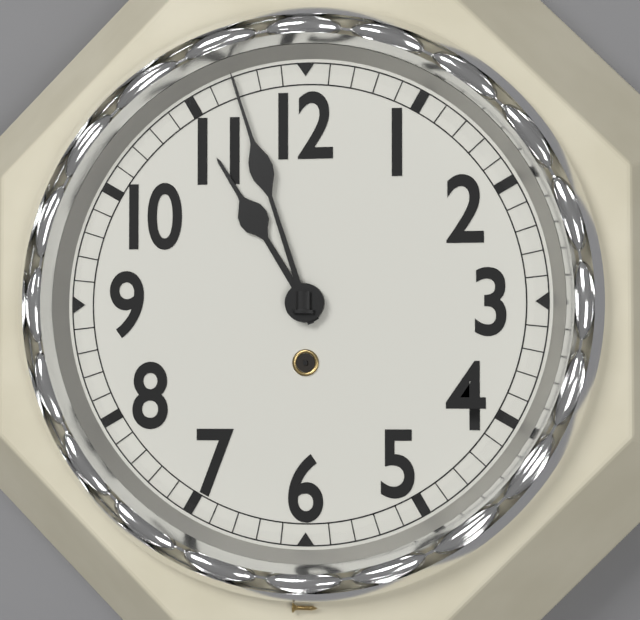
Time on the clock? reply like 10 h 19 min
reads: 10 h 57 min
